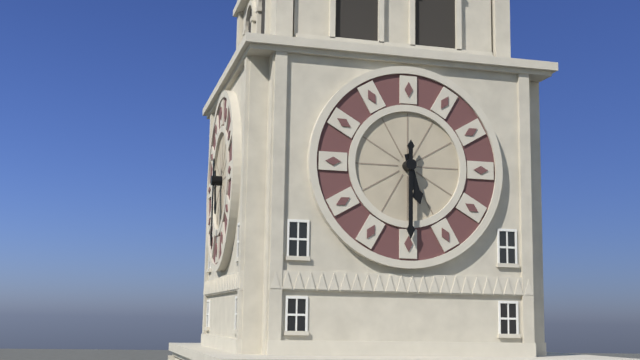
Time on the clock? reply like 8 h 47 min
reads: 5 h 30 min
